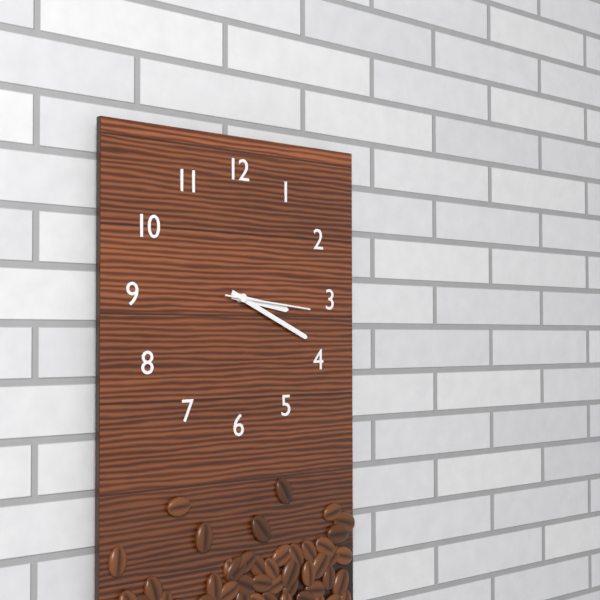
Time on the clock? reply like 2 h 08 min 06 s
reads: 3 h 19 min 16 s
